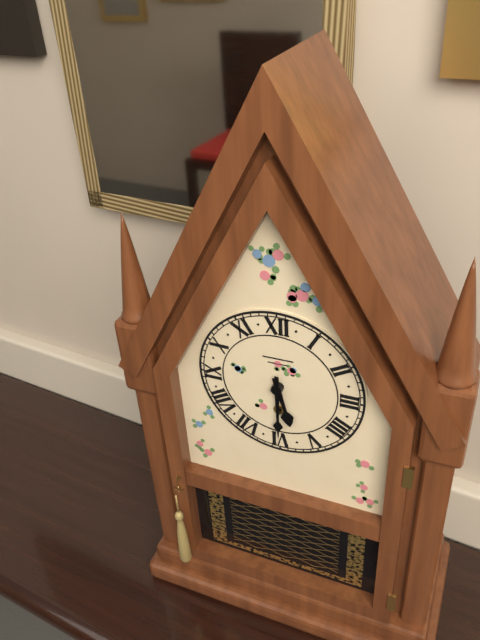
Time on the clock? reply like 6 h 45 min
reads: 5 h 30 min
